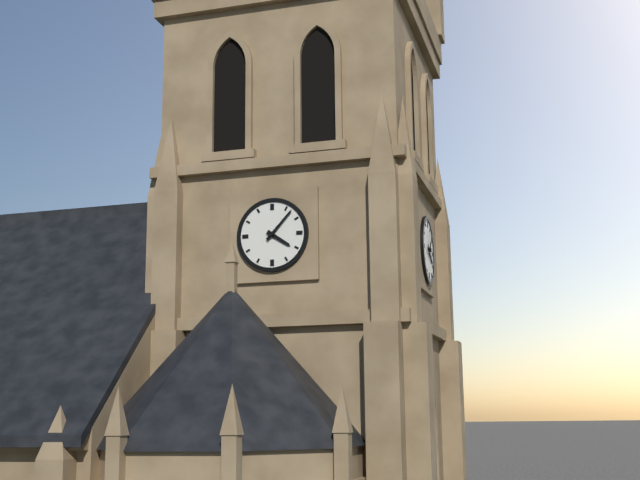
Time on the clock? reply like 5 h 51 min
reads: 4 h 07 min
